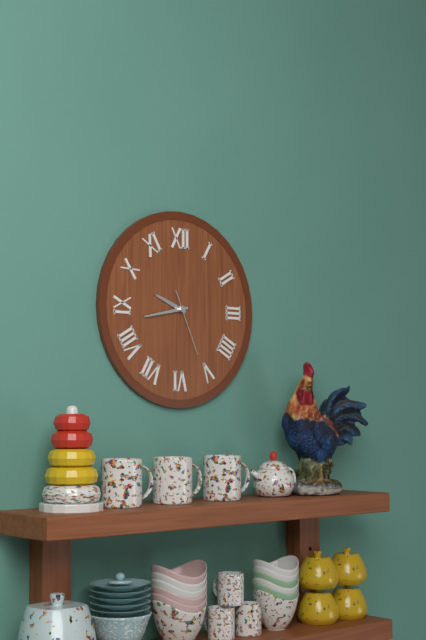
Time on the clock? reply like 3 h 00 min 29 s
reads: 9 h 43 min 26 s
